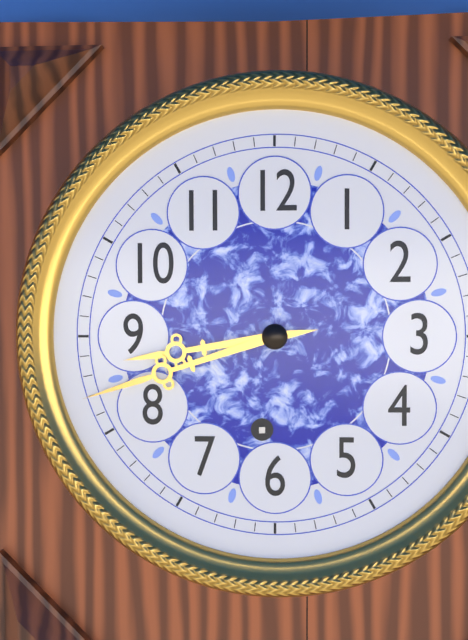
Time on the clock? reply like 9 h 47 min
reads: 8 h 42 min
